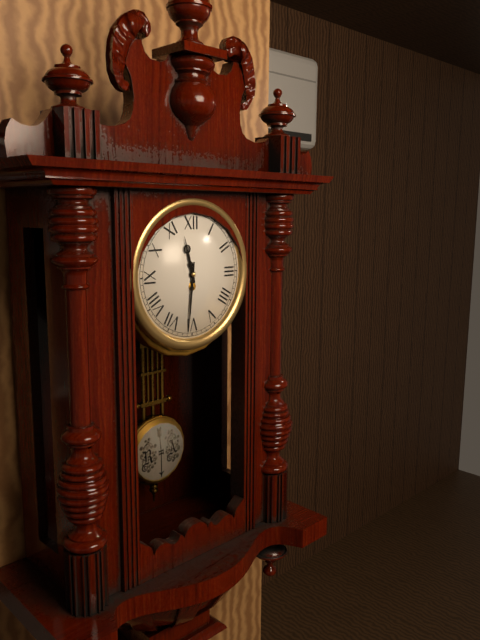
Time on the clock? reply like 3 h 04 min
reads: 11 h 31 min
